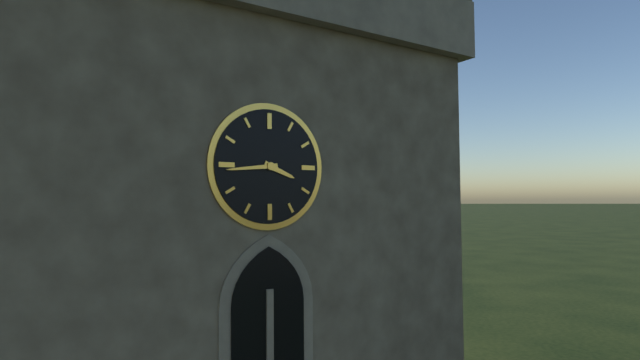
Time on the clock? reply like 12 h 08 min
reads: 3 h 44 min
